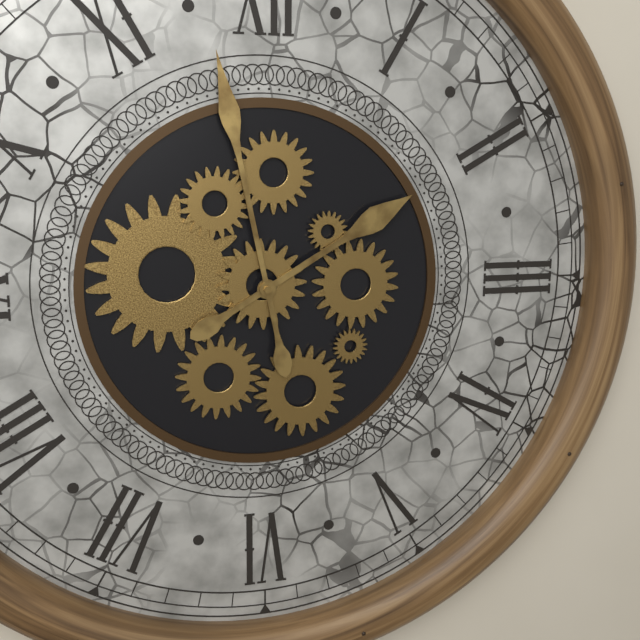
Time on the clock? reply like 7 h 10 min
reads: 1 h 58 min
